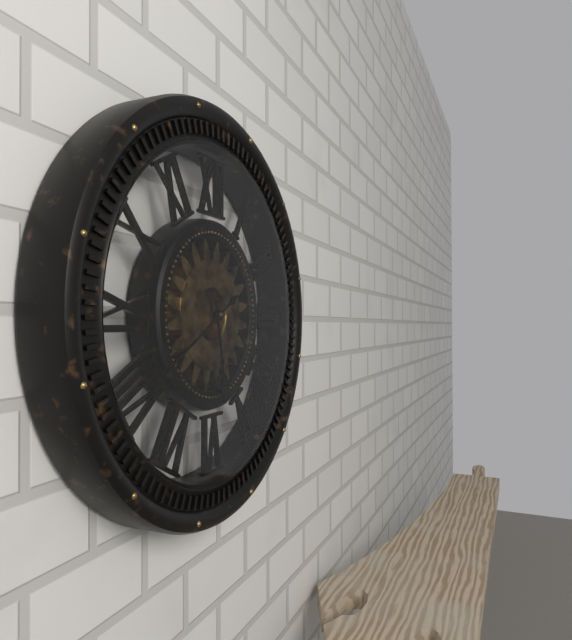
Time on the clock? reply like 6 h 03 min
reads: 5 h 40 min
